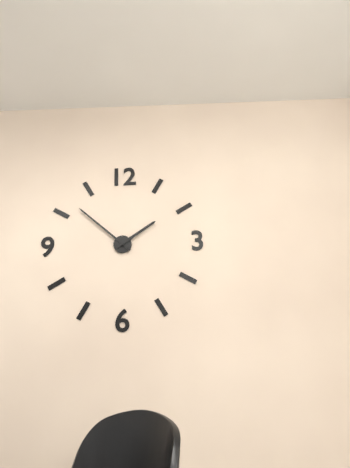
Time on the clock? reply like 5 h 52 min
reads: 1 h 52 min
